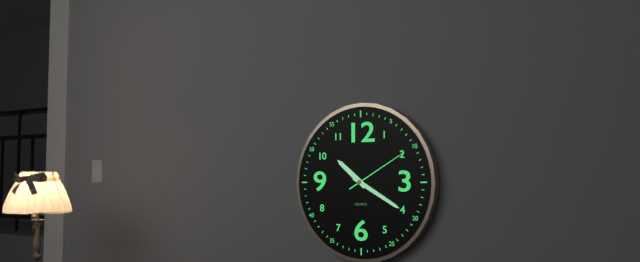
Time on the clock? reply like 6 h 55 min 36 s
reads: 10 h 20 min 10 s
